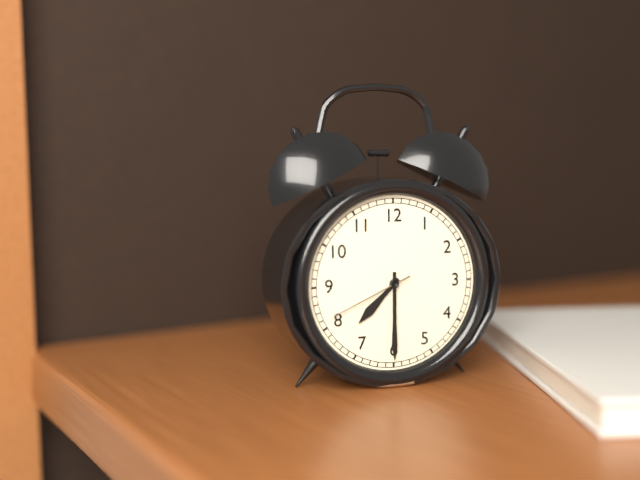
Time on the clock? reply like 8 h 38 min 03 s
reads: 7 h 30 min 41 s
